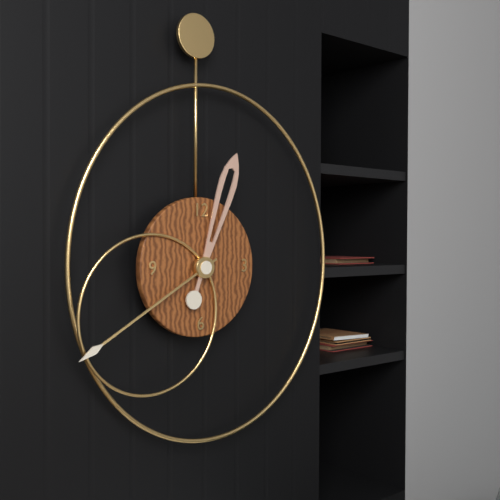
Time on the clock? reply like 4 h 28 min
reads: 12 h 40 min
